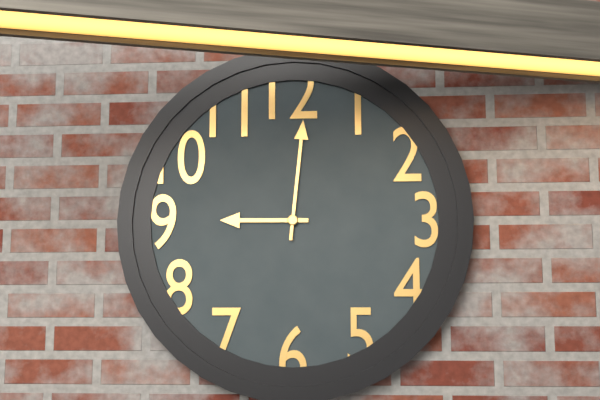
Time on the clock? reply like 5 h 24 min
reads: 9 h 01 min
